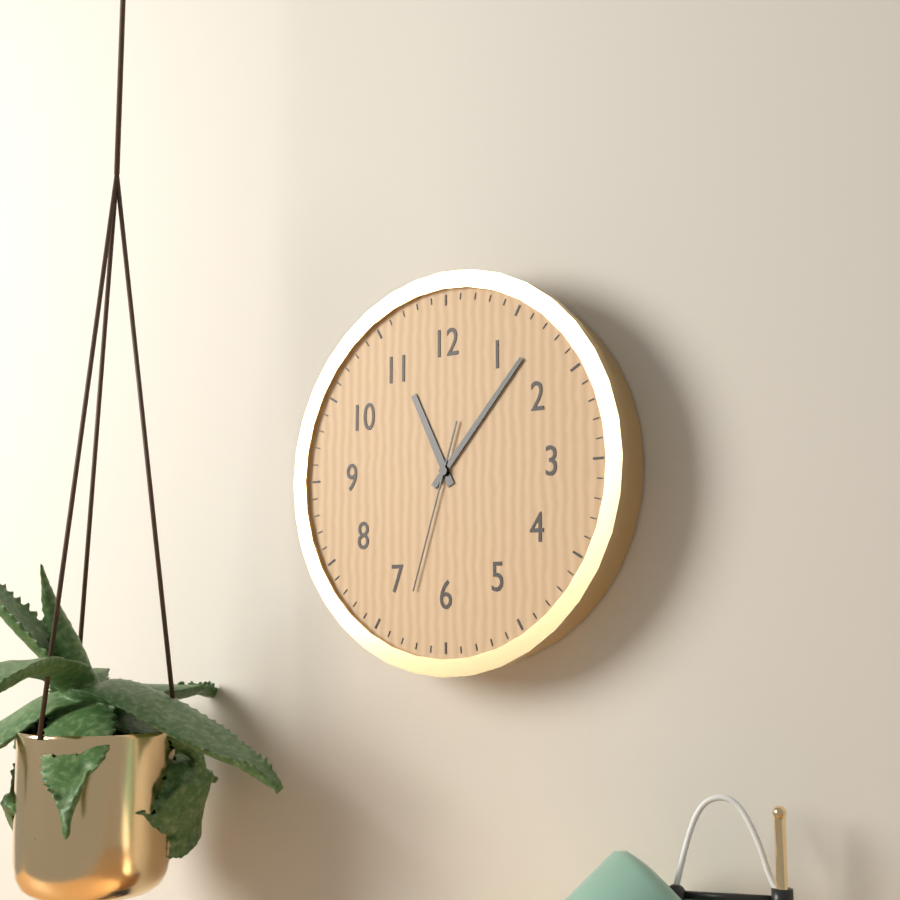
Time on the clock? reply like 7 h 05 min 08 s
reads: 11 h 07 min 33 s
